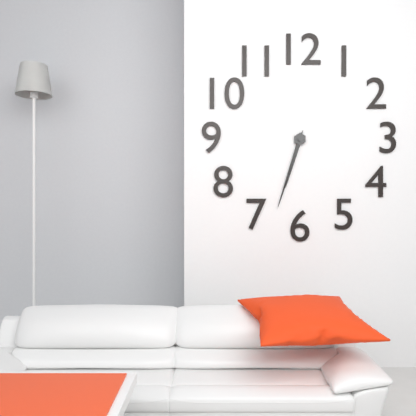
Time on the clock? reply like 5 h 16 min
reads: 6 h 33 min
